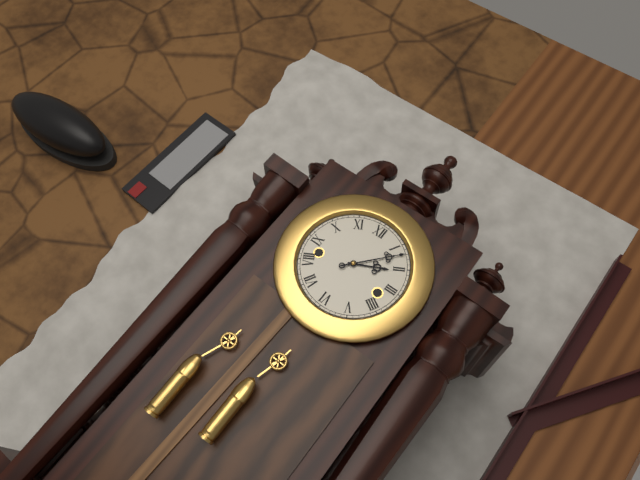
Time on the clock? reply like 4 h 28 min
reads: 2 h 07 min
